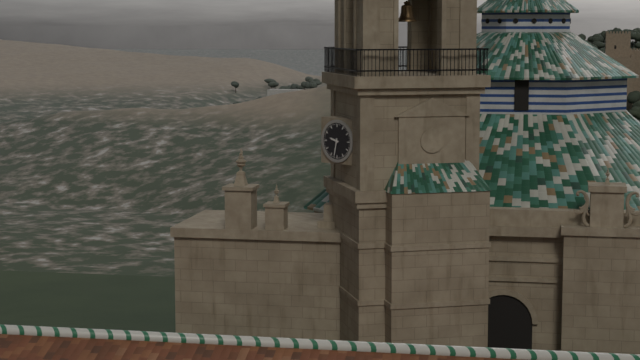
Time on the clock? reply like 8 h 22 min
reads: 9 h 32 min
